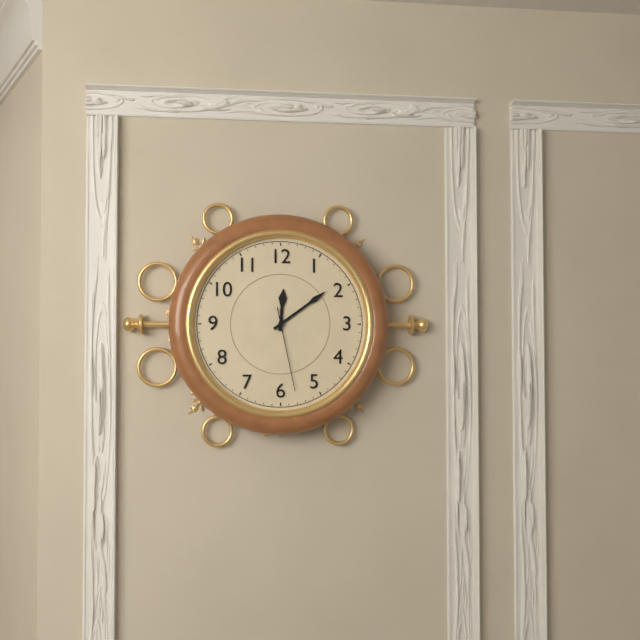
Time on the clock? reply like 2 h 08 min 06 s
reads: 12 h 09 min 28 s
